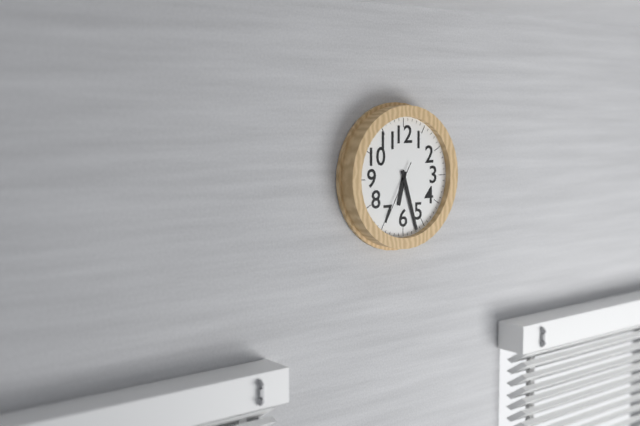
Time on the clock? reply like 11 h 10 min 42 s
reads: 6 h 27 min 35 s
